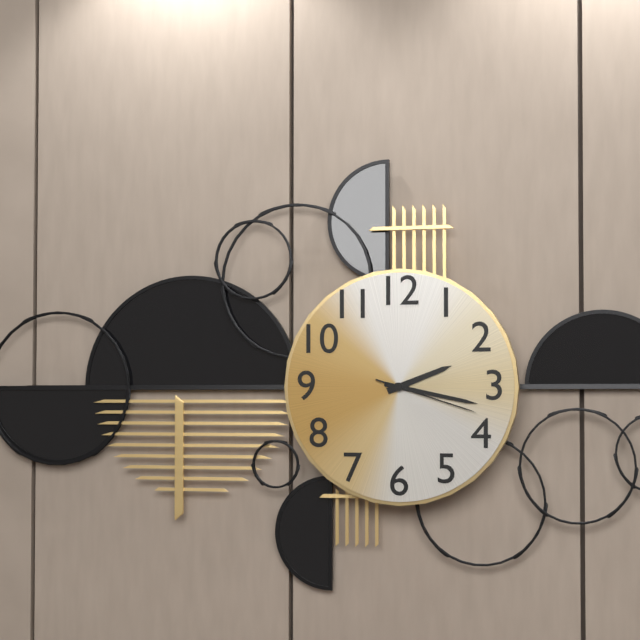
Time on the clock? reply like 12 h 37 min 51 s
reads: 2 h 17 min 18 s
